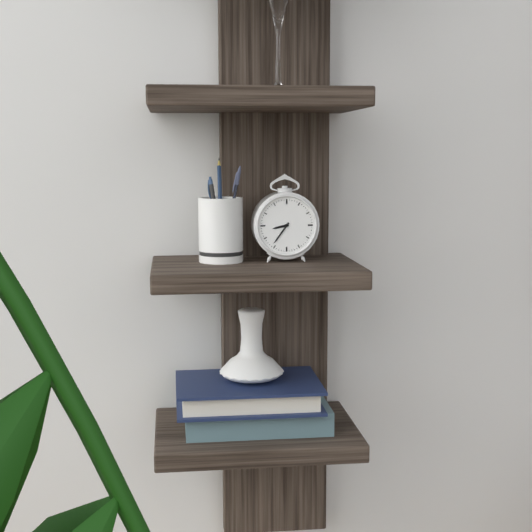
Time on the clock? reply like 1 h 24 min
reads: 8 h 36 min
